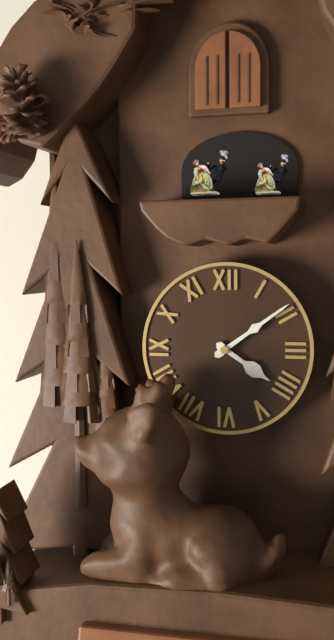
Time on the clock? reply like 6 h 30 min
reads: 4 h 09 min
